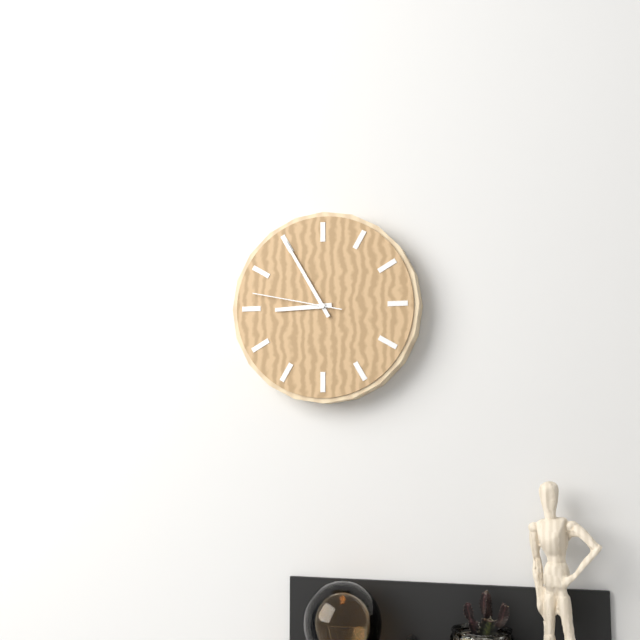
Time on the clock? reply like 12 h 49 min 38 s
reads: 8 h 55 min 47 s
